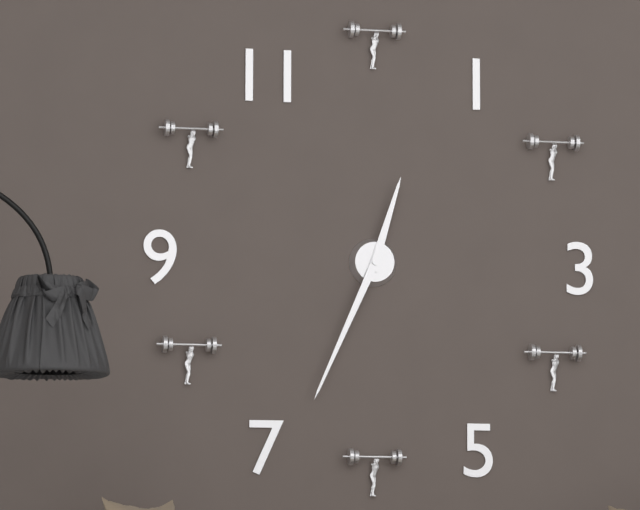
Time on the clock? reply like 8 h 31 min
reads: 12 h 34 min
